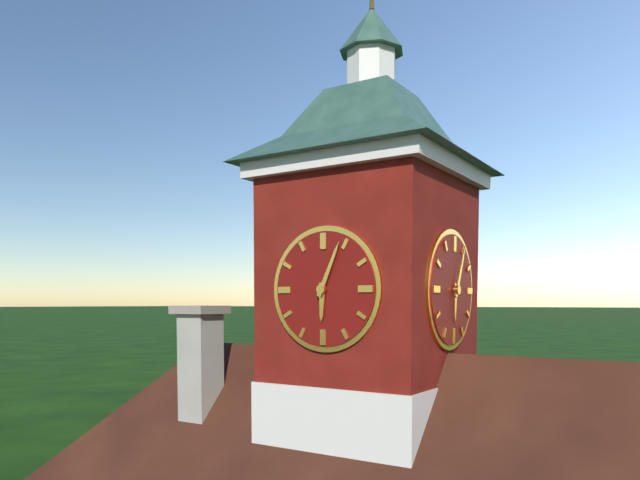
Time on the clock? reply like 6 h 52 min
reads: 6 h 04 min
